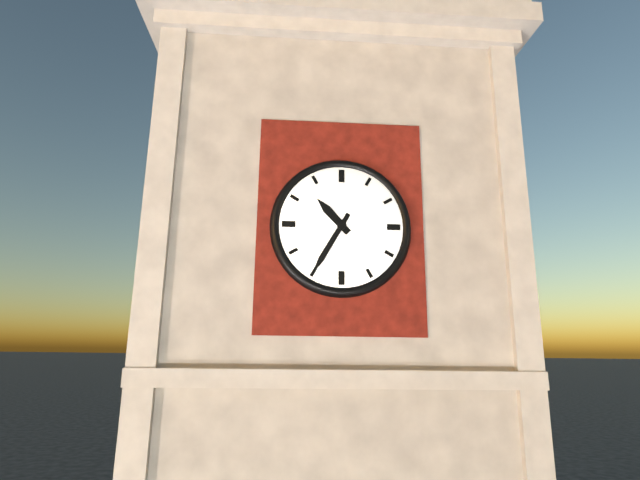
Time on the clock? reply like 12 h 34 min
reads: 10 h 35 min
